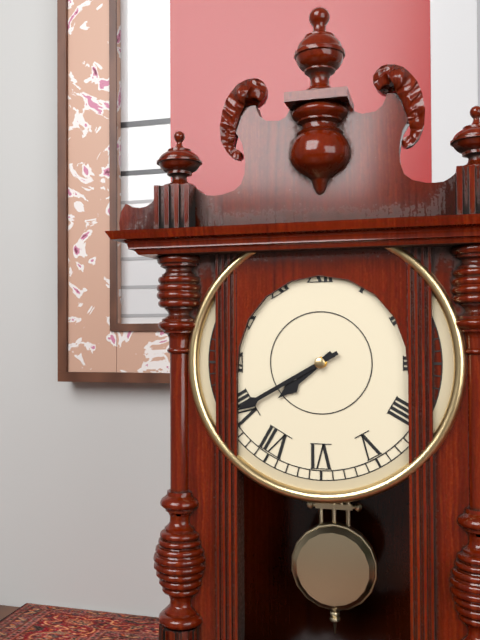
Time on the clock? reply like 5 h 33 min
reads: 7 h 40 min
